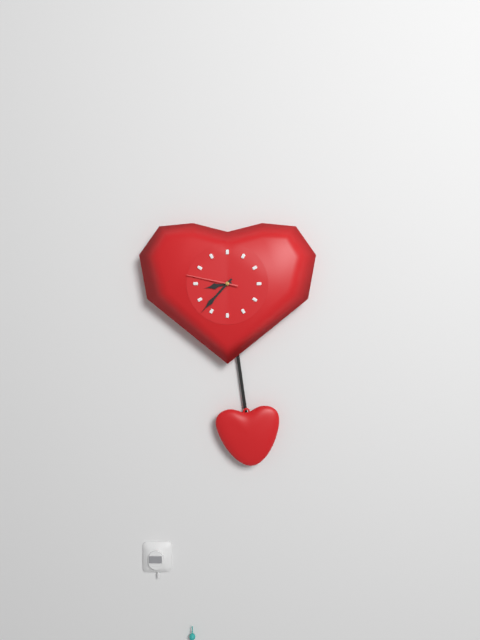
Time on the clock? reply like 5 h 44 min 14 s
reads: 8 h 37 min 47 s
